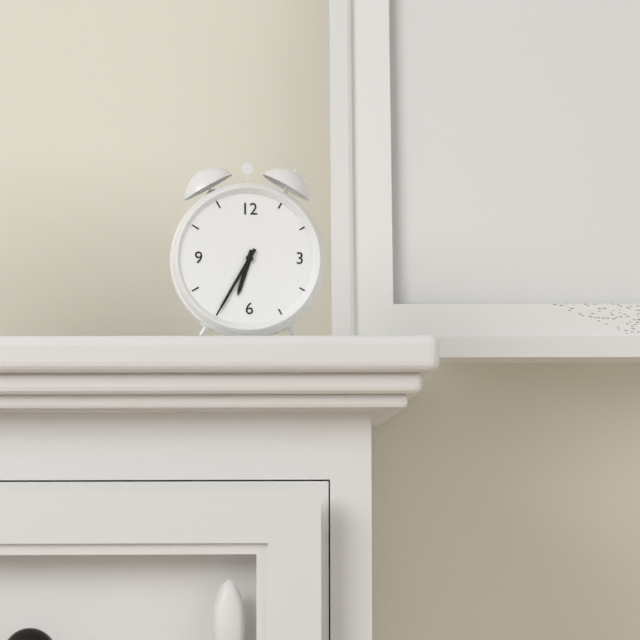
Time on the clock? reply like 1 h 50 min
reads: 6 h 35 min
